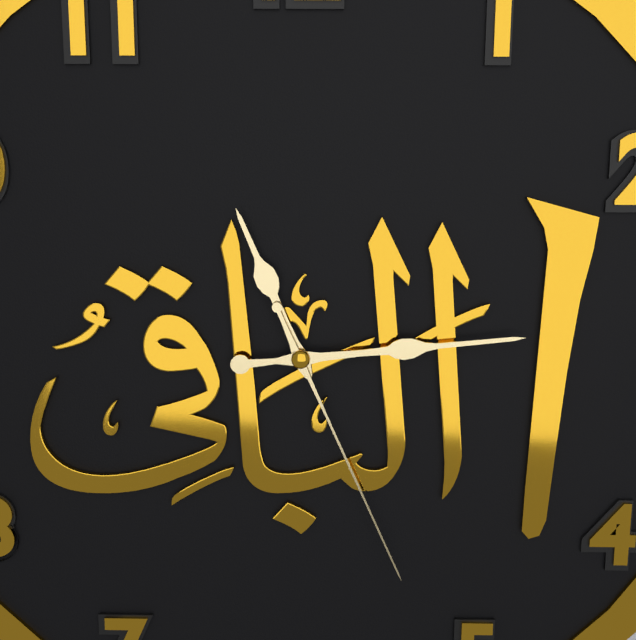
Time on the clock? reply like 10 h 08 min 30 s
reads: 11 h 14 min 26 s
